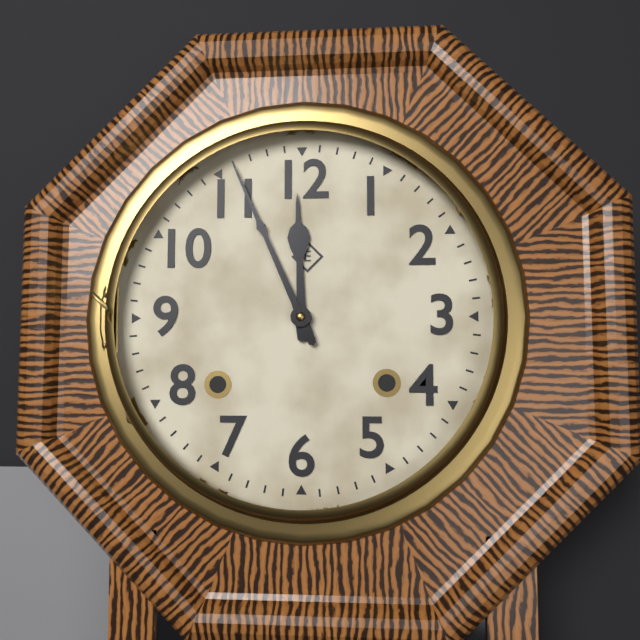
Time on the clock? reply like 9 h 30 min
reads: 11 h 56 min
